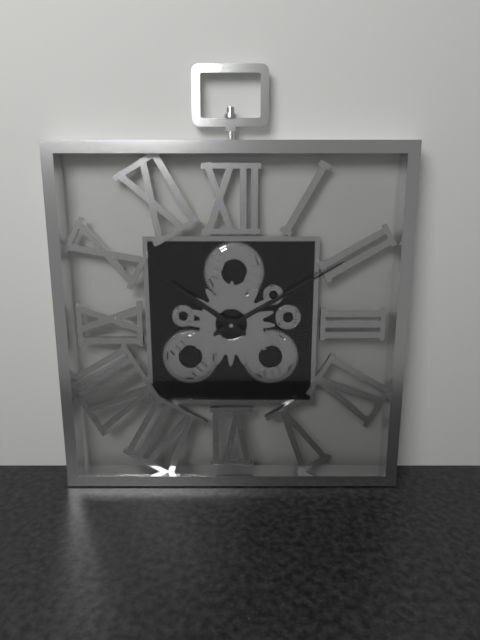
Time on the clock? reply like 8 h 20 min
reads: 10 h 10 min
